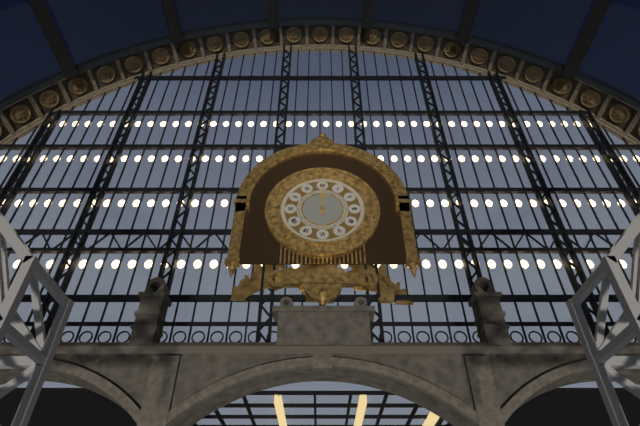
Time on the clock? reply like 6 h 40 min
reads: 12 h 00 min
